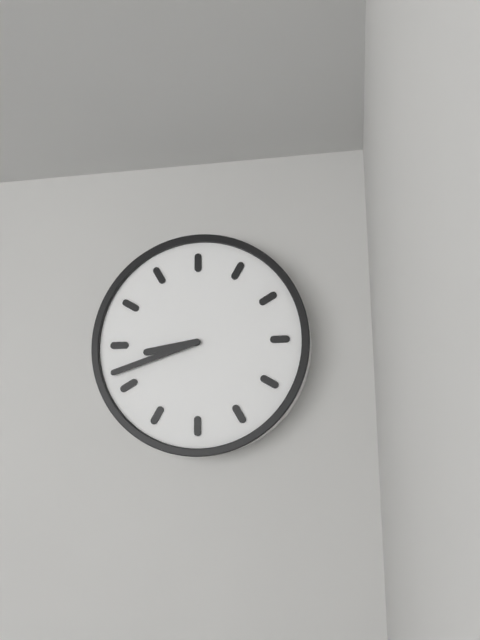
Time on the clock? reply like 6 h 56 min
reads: 8 h 42 min
